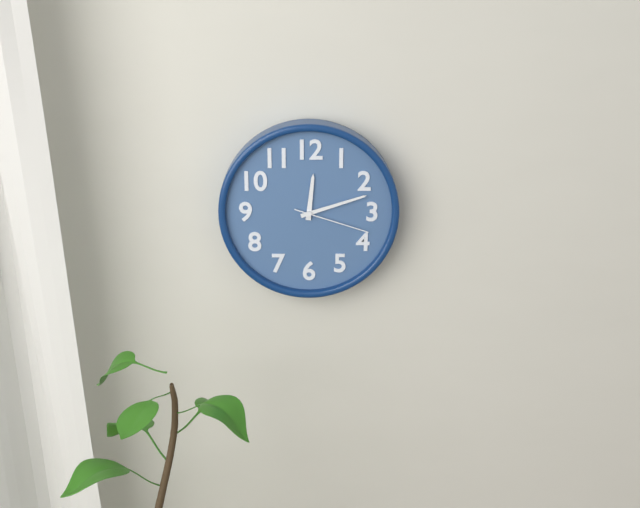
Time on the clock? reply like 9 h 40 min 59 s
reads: 12 h 12 min 18 s
